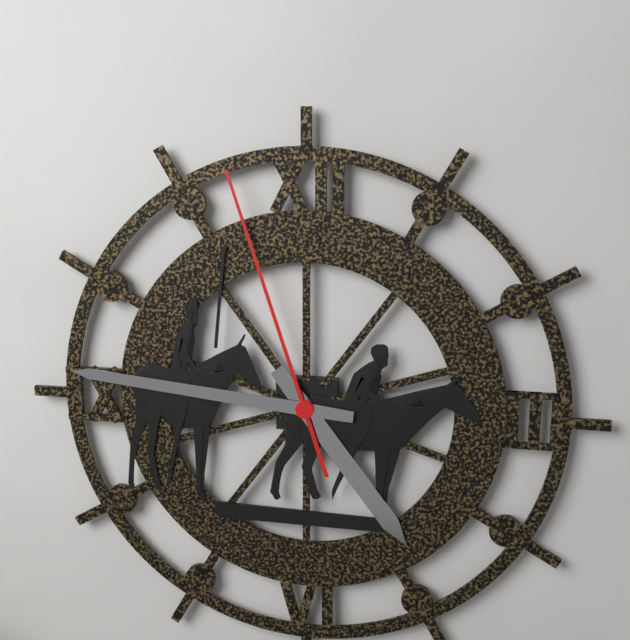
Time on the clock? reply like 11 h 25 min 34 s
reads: 4 h 46 min 57 s
